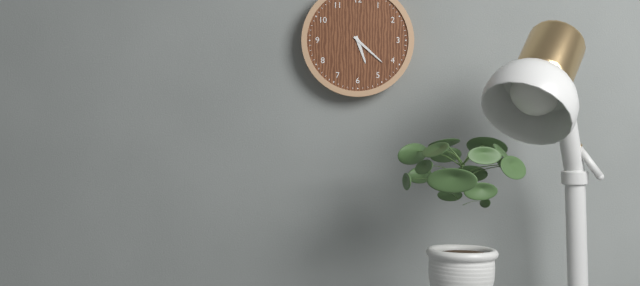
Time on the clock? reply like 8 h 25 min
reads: 5 h 22 min
